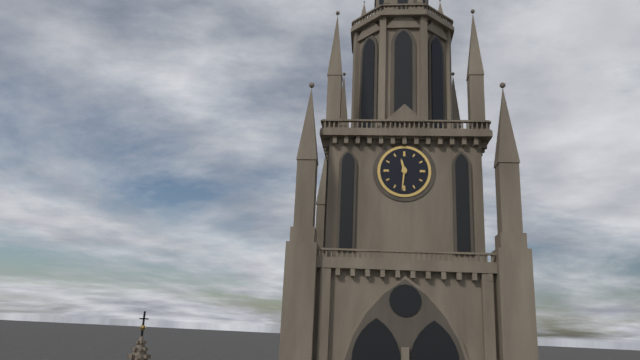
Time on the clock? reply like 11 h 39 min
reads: 11 h 31 min
